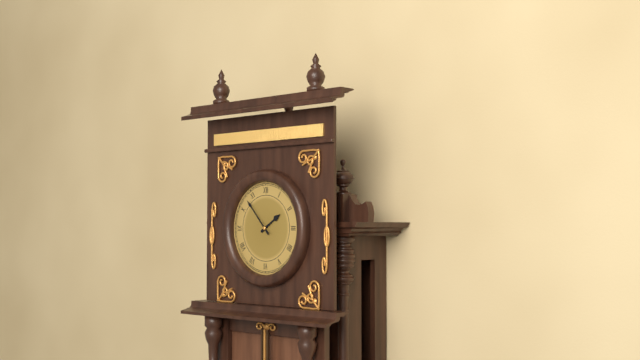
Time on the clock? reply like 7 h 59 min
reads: 1 h 53 min
